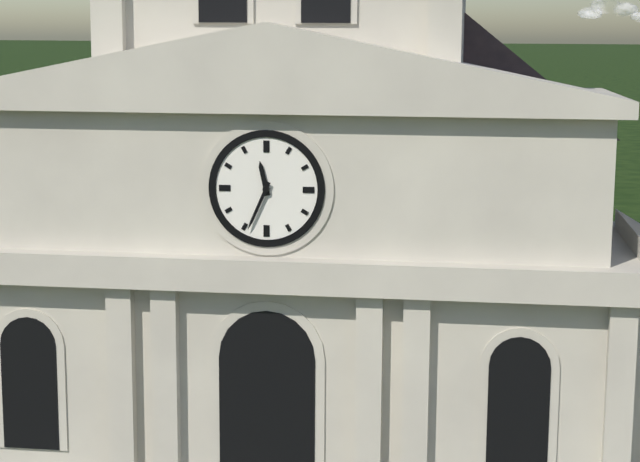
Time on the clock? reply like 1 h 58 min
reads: 11 h 34 min
